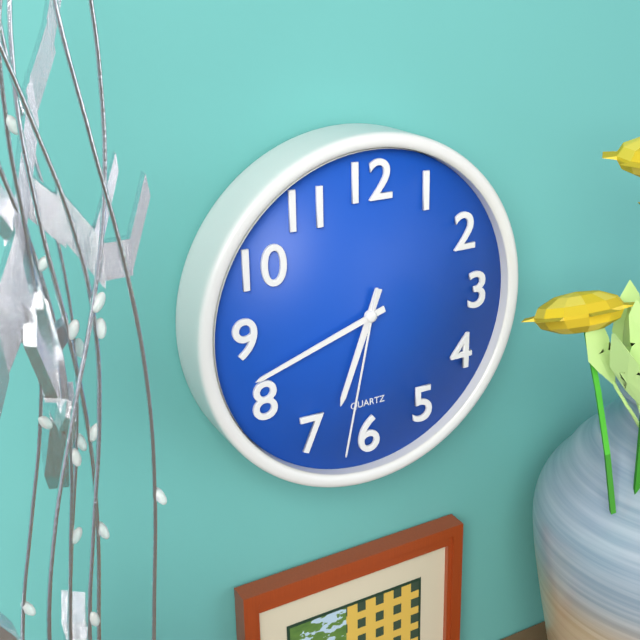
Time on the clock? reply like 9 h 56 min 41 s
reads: 6 h 42 min 32 s
